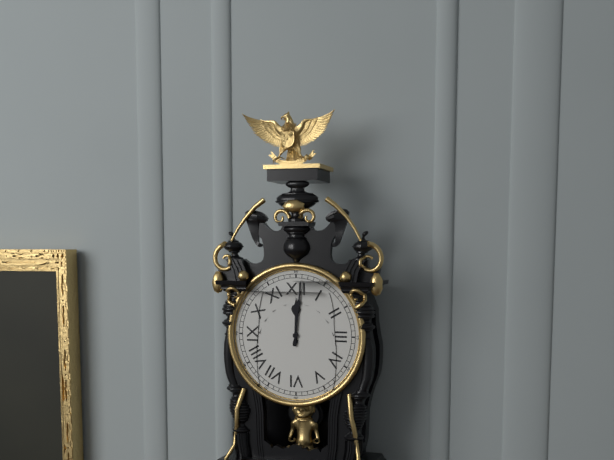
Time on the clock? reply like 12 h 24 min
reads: 12 h 01 min
